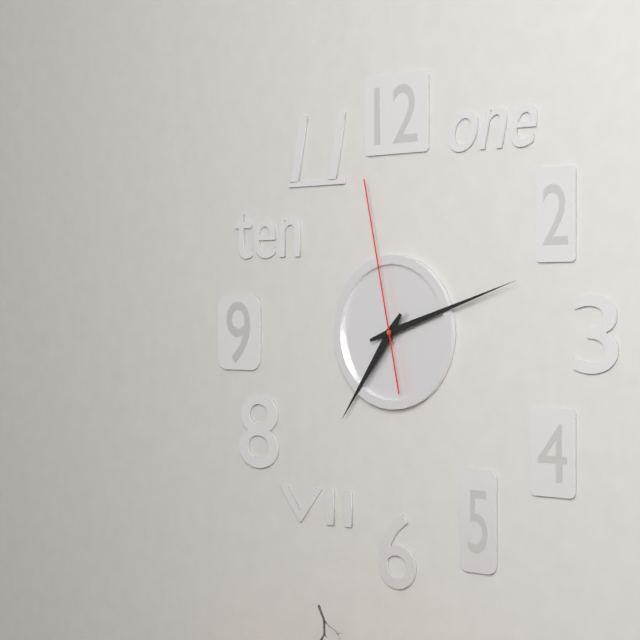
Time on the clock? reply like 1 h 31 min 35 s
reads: 7 h 12 min 58 s
